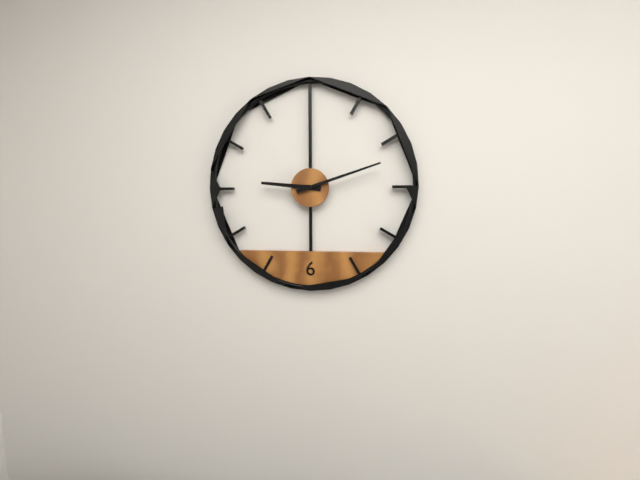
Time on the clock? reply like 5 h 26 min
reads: 9 h 12 min
